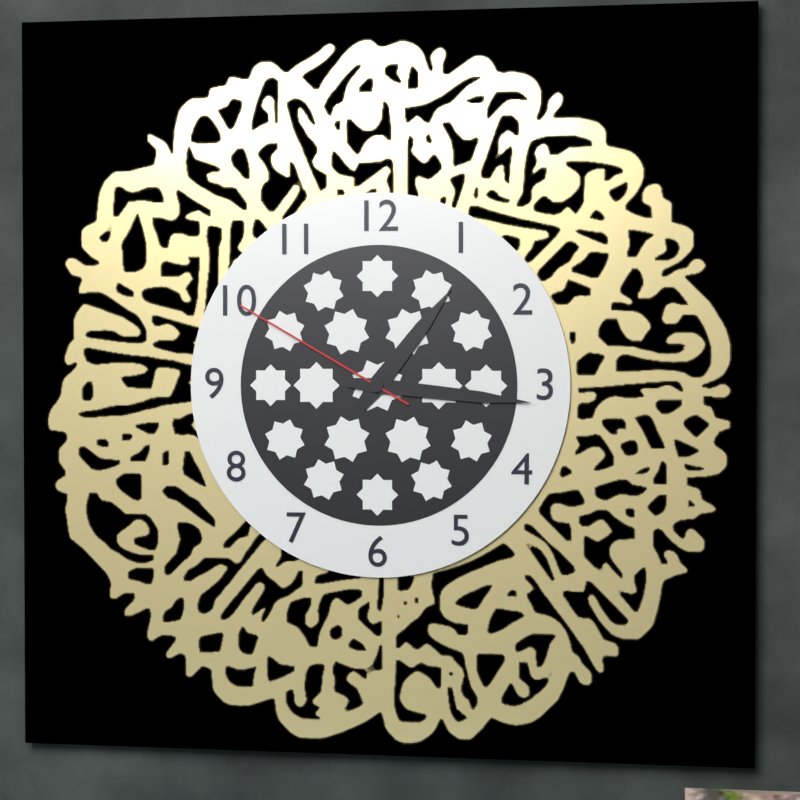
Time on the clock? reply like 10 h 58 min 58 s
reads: 1 h 16 min 50 s
